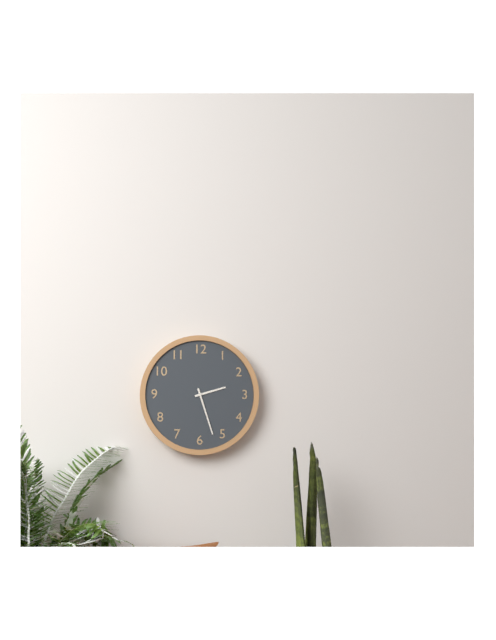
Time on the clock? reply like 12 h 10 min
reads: 2 h 27 min
